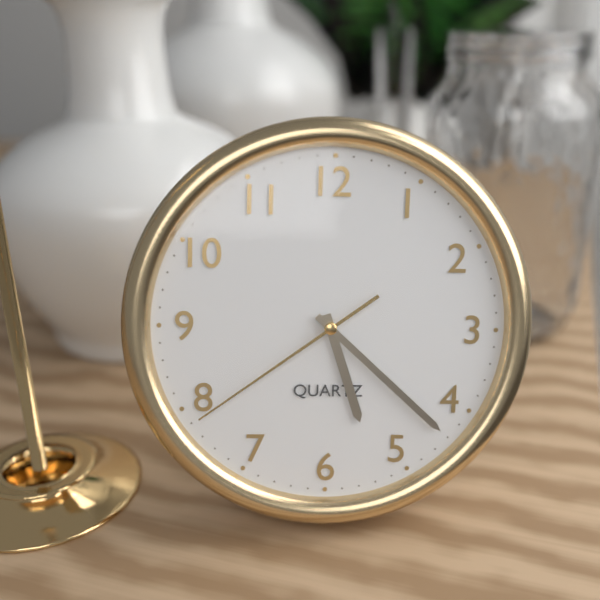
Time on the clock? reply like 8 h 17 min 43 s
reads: 5 h 22 min 39 s
